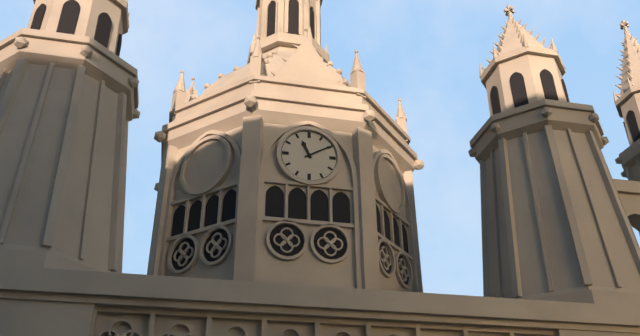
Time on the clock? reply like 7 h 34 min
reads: 11 h 10 min
